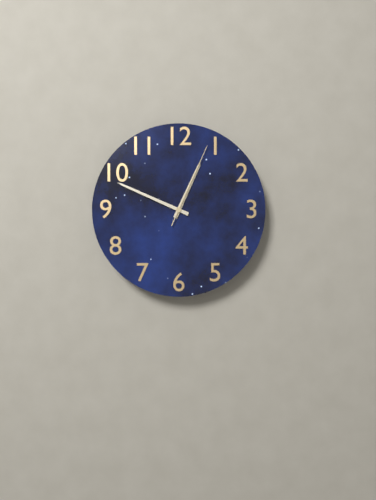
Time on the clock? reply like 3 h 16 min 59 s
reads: 12 h 49 min 04 s
